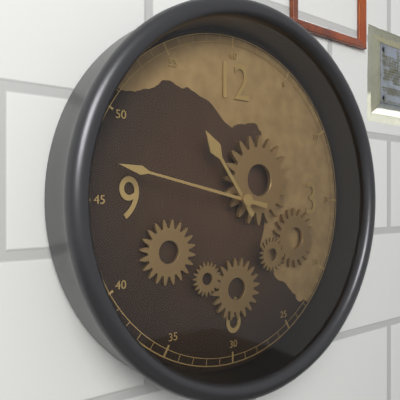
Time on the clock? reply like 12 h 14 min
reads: 10 h 47 min
